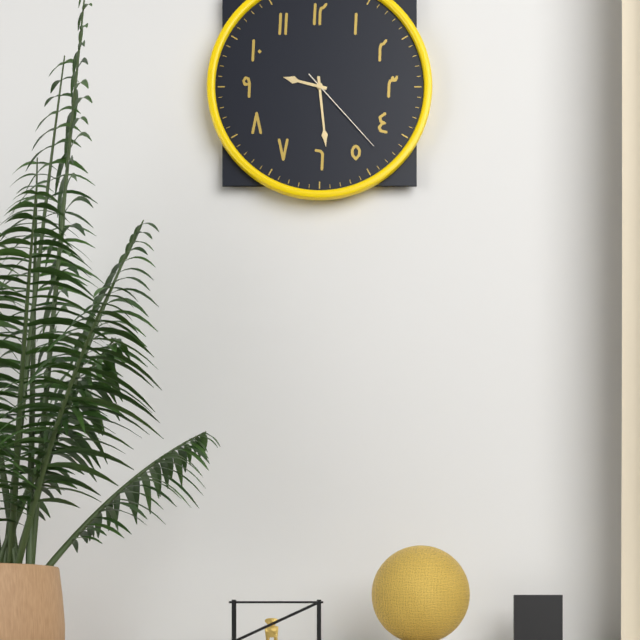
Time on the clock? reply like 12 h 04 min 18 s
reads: 9 h 29 min 23 s
